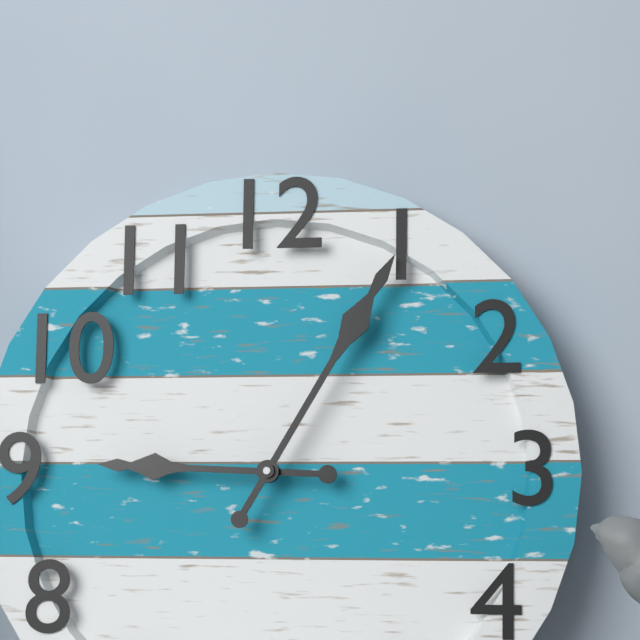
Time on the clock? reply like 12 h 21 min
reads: 9 h 05 min
